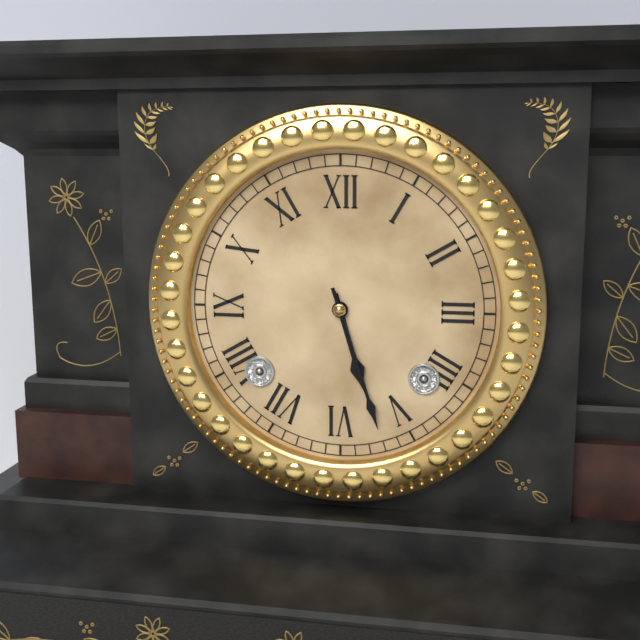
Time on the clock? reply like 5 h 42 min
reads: 5 h 27 min
